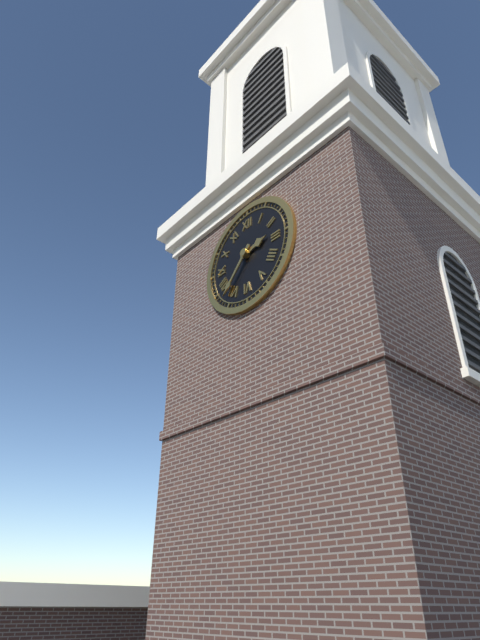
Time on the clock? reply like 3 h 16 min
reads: 2 h 37 min
